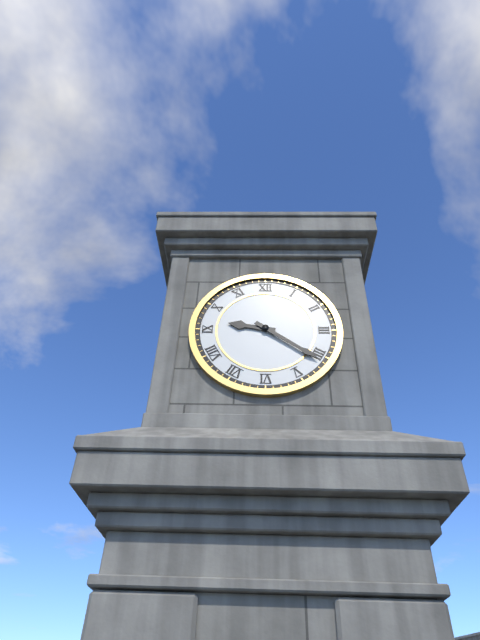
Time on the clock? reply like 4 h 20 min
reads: 9 h 21 min
